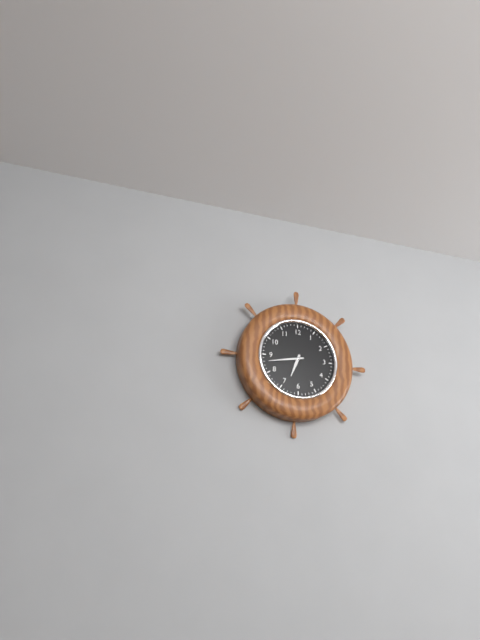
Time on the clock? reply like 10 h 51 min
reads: 6 h 43 min
